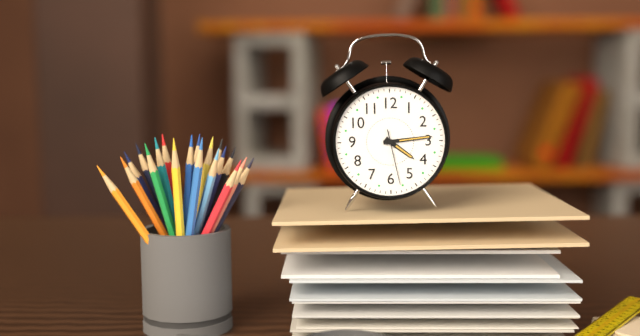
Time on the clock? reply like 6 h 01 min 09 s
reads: 4 h 14 min 28 s
